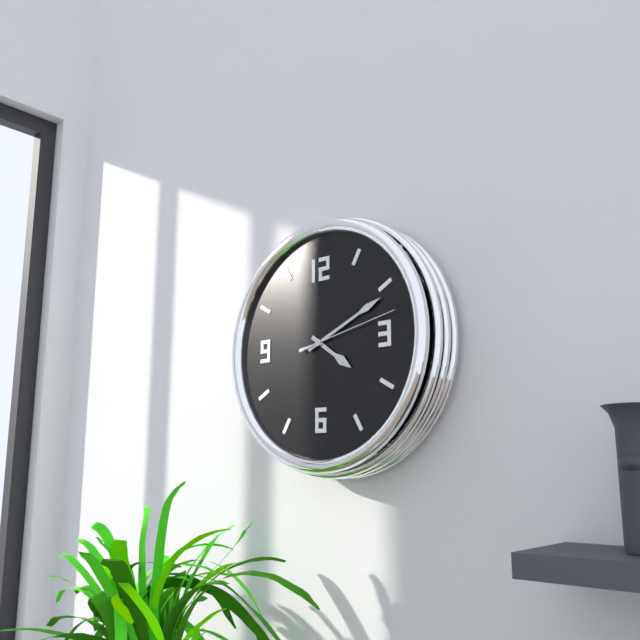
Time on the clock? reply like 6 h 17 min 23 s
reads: 4 h 11 min 13 s
